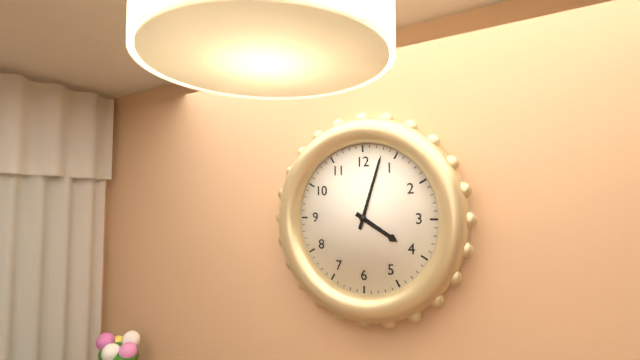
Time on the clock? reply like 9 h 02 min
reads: 4 h 03 min
